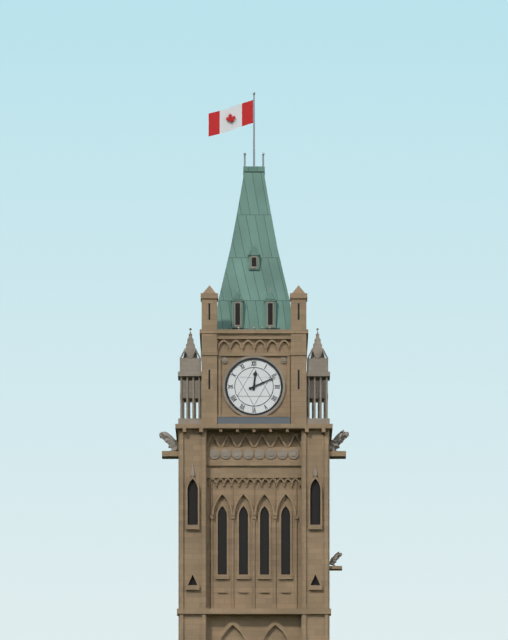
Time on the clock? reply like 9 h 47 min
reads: 12 h 11 min
